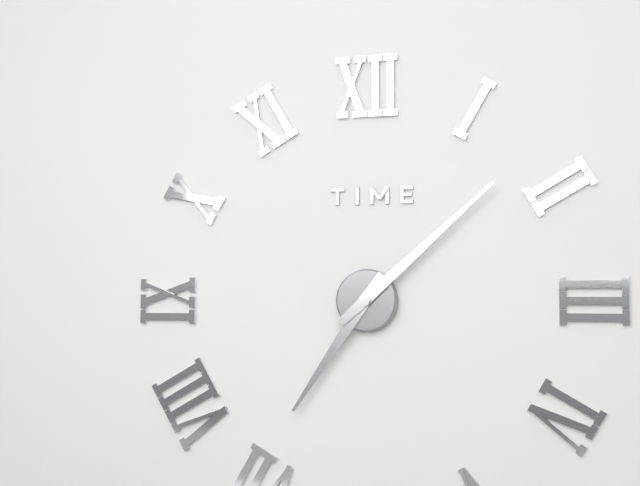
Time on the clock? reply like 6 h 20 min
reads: 7 h 08 min
